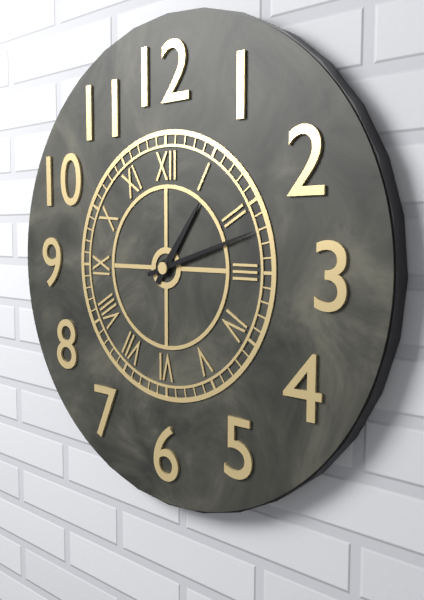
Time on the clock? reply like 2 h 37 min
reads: 1 h 12 min
